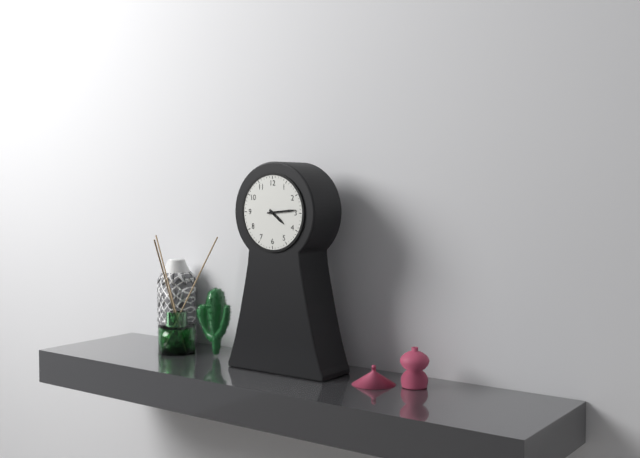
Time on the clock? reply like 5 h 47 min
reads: 4 h 14 min
